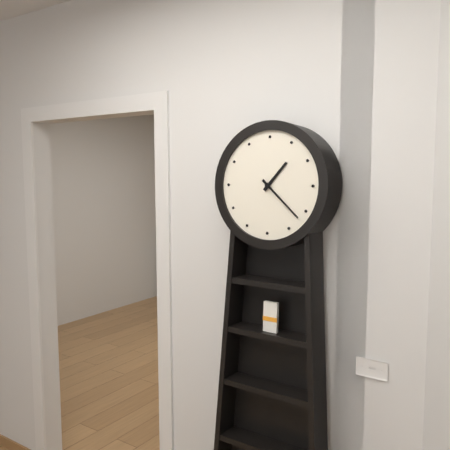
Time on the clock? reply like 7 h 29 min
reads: 1 h 22 min
